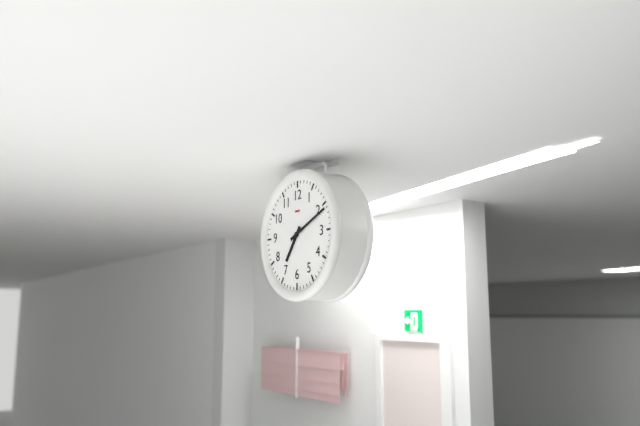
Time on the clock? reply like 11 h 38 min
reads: 7 h 11 min
